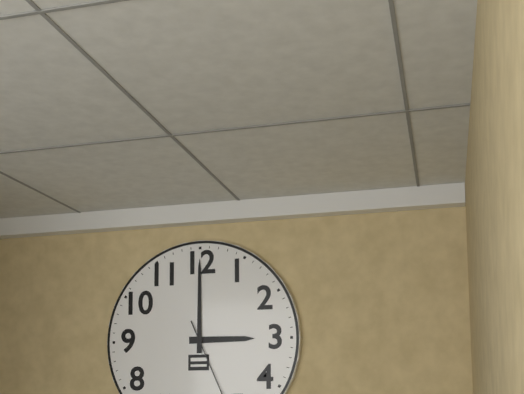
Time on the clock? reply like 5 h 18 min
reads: 3 h 00 min
